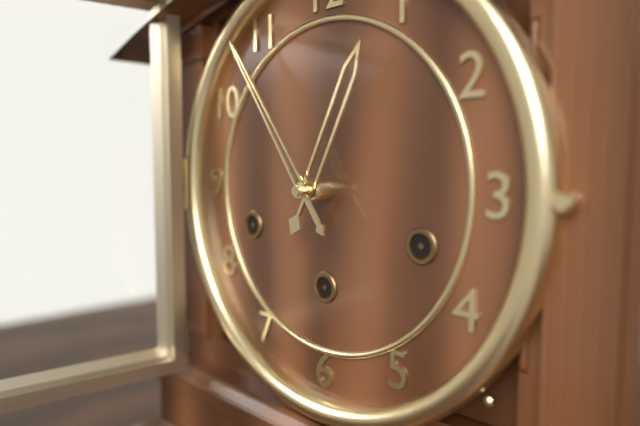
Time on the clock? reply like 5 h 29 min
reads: 12 h 54 min
